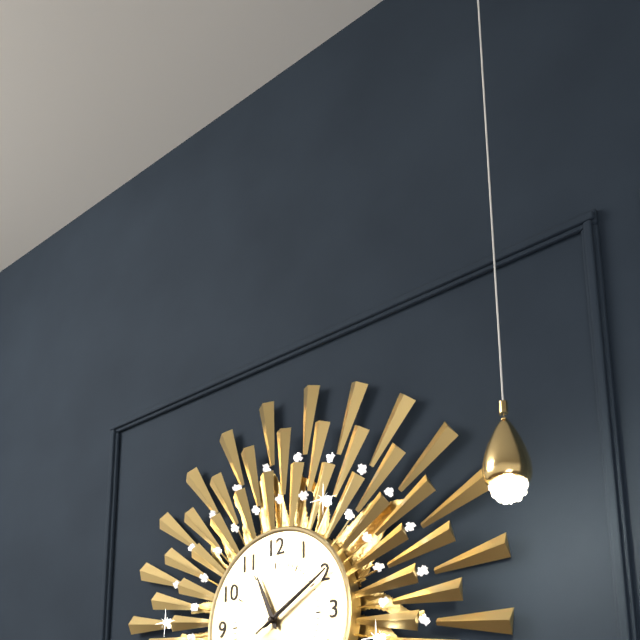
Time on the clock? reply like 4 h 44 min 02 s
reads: 11 h 10 min 10 s
